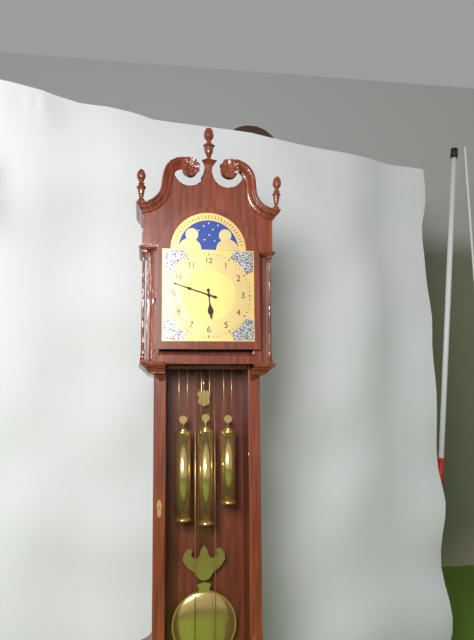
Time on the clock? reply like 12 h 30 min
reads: 5 h 48 min
